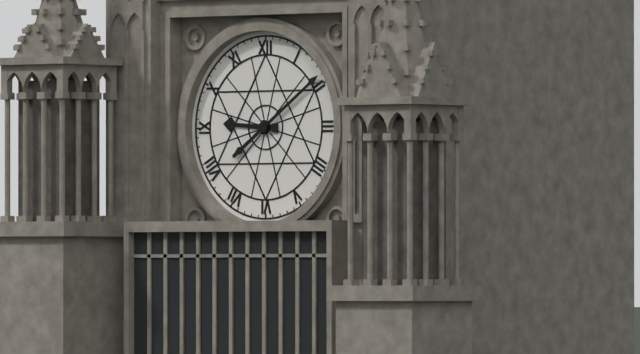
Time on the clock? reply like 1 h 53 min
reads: 9 h 09 min
